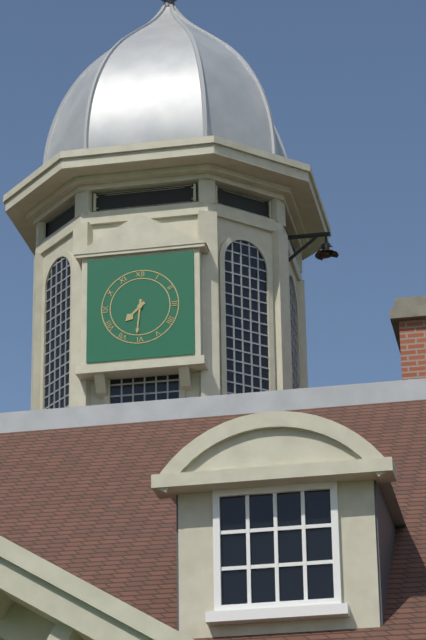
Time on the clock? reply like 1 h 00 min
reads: 7 h 31 min
